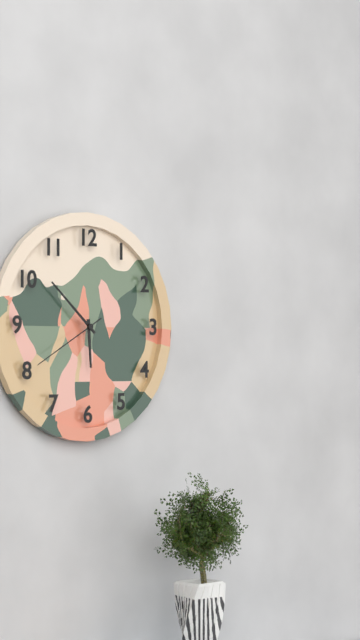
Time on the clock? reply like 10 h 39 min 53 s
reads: 5 h 52 min 40 s
